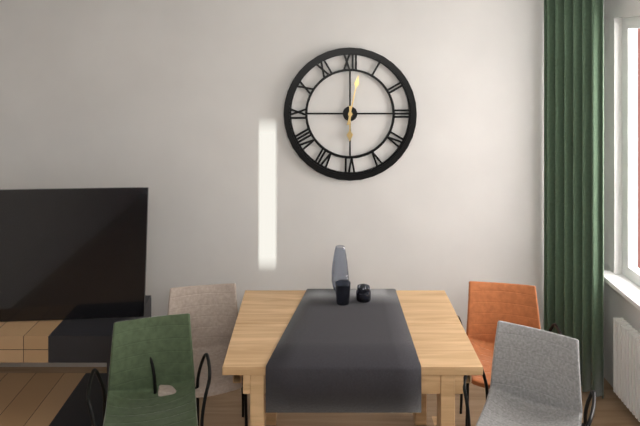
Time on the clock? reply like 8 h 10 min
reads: 6 h 02 min
